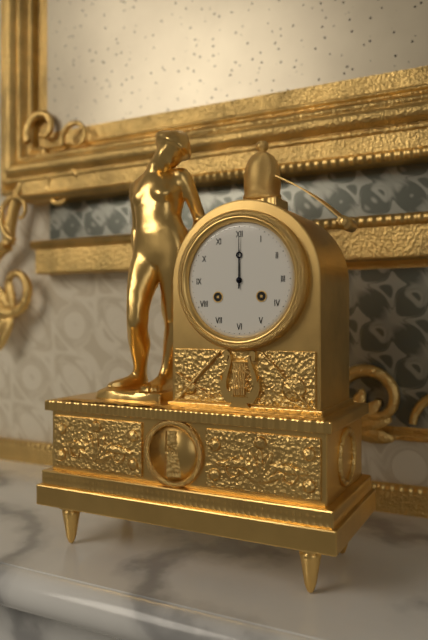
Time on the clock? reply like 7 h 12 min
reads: 12 h 00 min
